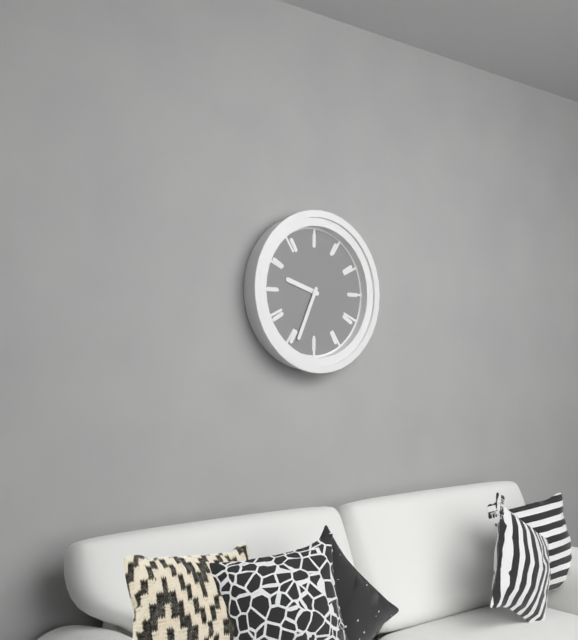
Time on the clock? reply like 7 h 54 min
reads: 9 h 34 min
